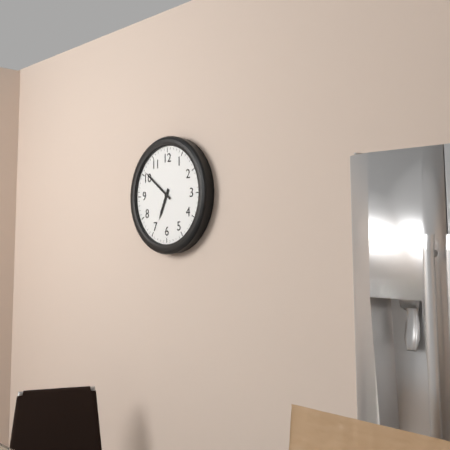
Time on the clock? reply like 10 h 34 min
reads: 6 h 51 min
